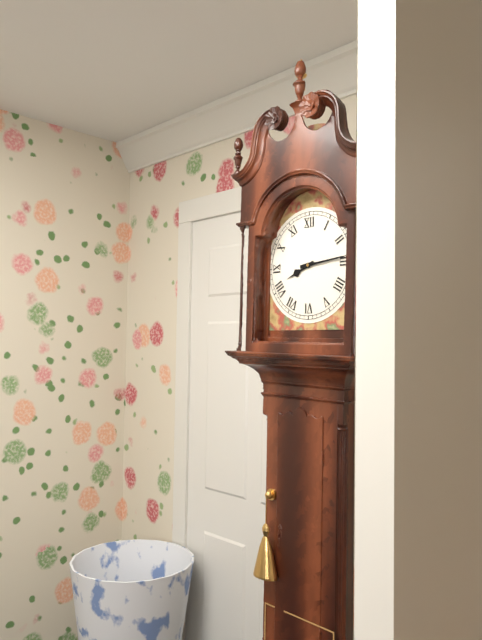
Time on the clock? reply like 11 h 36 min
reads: 8 h 14 min
